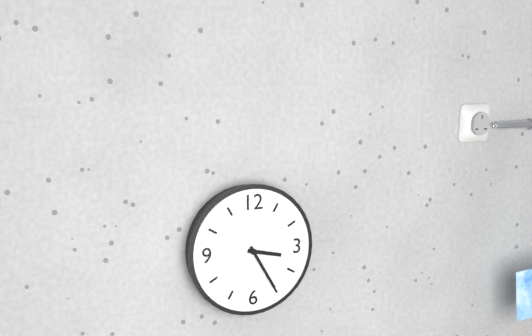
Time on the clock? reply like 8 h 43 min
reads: 3 h 25 min
